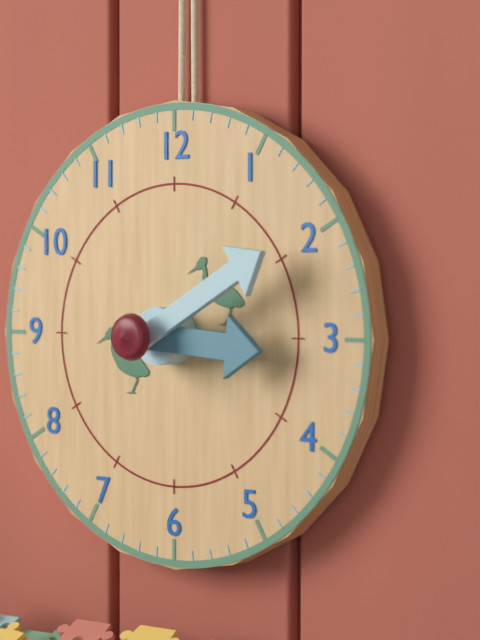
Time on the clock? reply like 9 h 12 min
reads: 3 h 10 min
